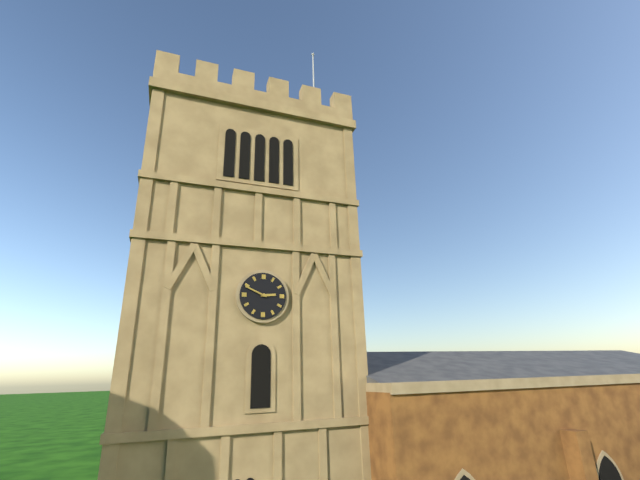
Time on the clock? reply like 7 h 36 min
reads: 2 h 49 min
